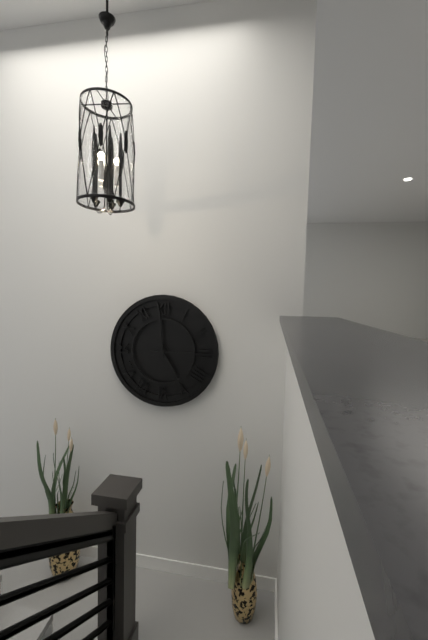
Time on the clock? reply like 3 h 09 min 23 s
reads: 4 h 59 min 15 s
